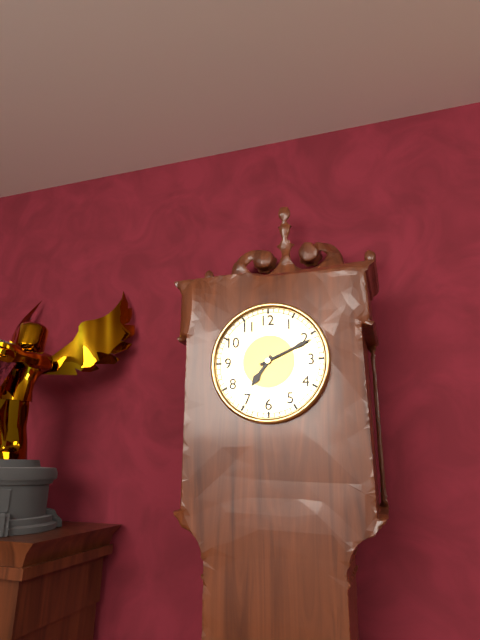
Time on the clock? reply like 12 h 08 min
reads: 7 h 11 min
